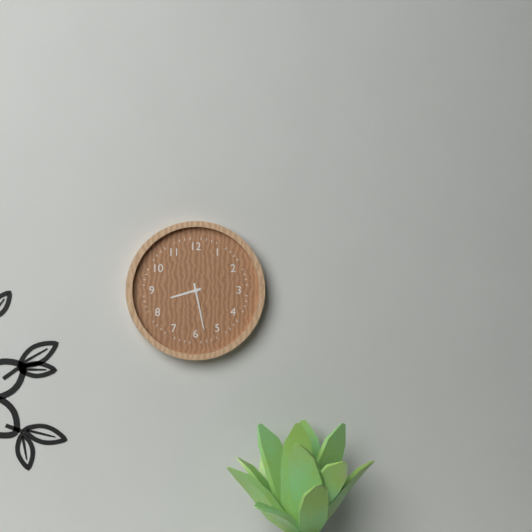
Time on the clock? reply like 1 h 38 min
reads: 8 h 28 min
